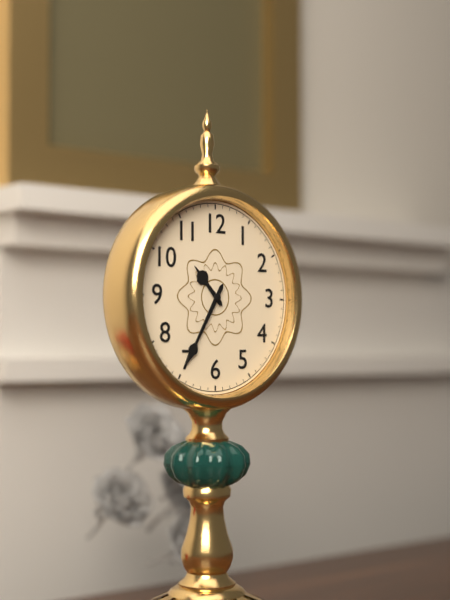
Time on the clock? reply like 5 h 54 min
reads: 10 h 35 min
